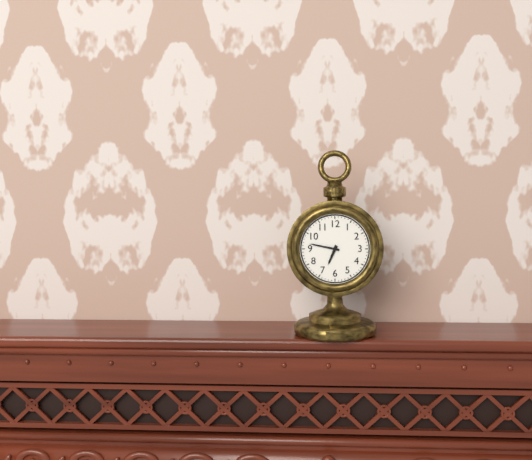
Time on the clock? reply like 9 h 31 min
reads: 6 h 47 min
